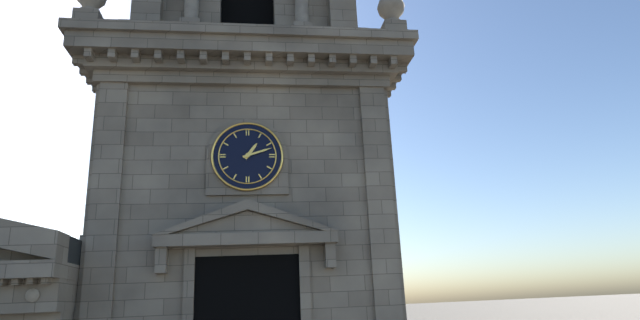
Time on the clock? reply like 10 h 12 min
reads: 1 h 12 min
